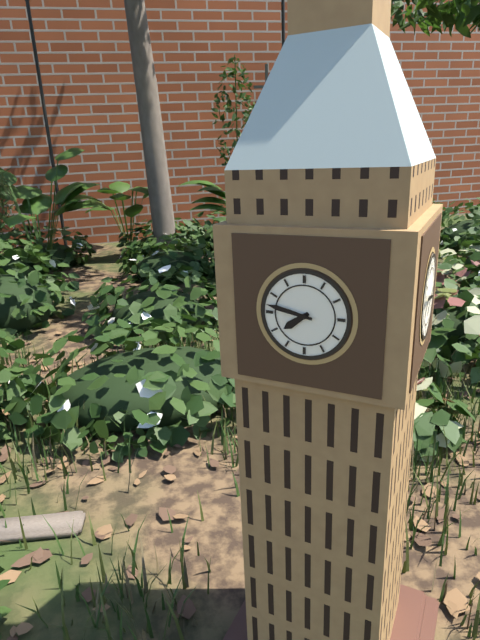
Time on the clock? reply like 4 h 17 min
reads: 7 h 47 min
